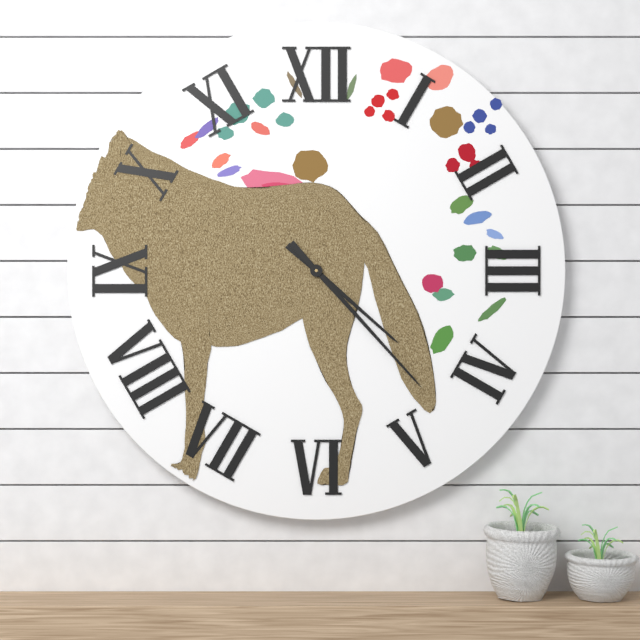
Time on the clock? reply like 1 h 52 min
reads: 4 h 23 min
